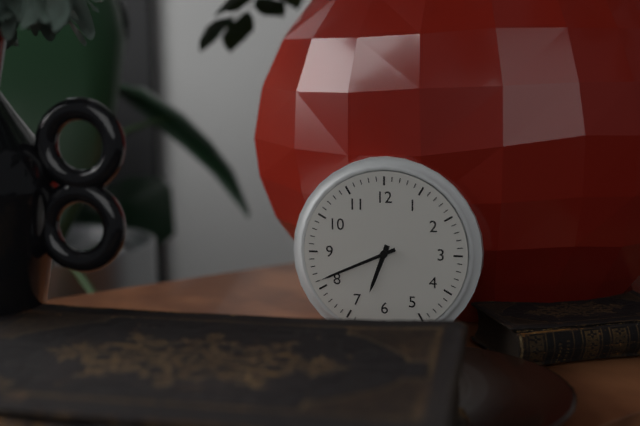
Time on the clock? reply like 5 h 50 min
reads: 6 h 41 min
